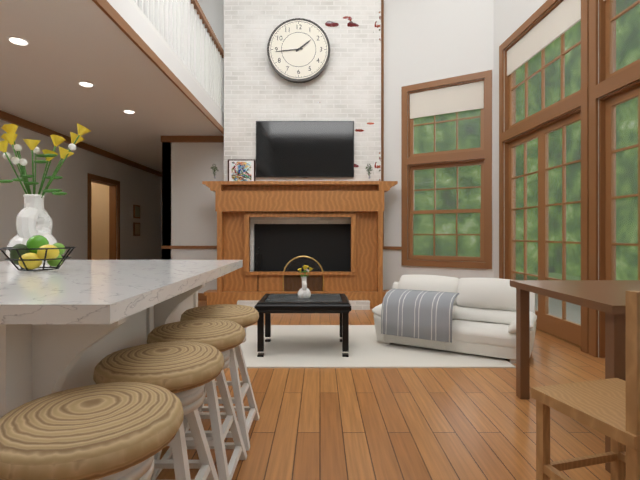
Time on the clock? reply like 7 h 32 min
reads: 1 h 44 min
